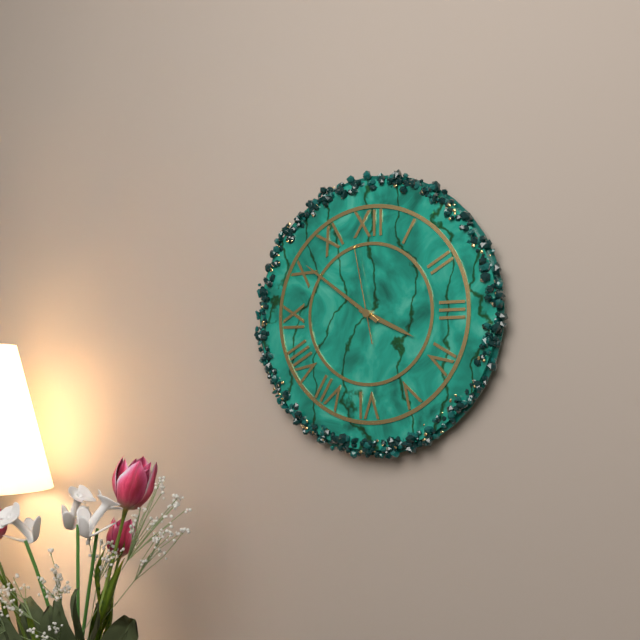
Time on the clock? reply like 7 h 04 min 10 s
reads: 3 h 51 min 58 s
